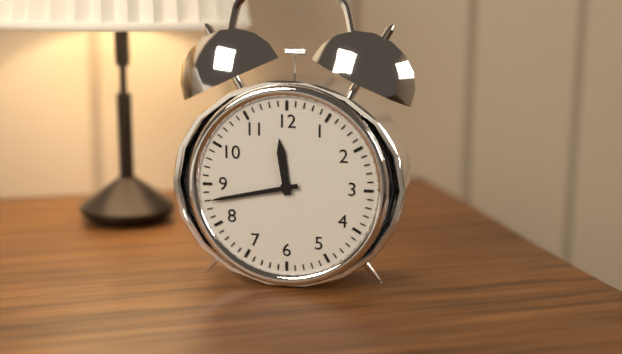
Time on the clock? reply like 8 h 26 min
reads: 11 h 43 min
